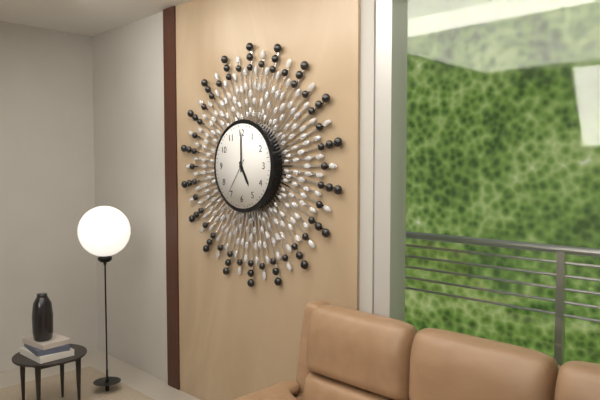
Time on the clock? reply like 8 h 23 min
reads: 5 h 00 min
